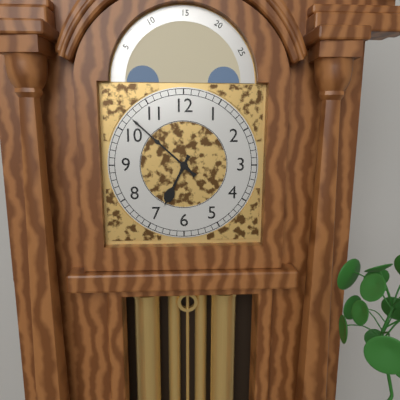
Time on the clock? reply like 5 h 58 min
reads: 6 h 52 min
